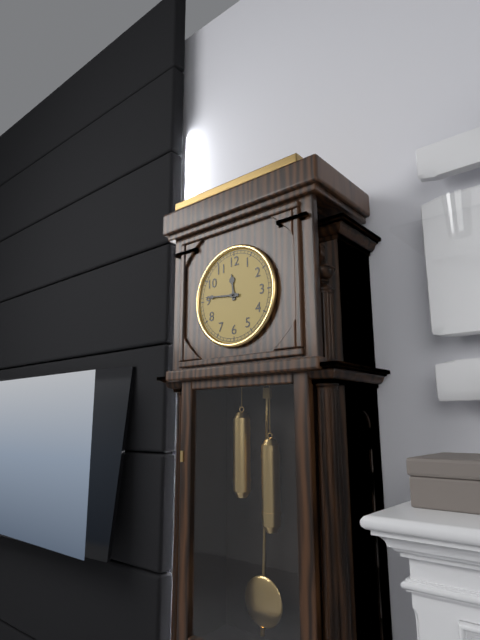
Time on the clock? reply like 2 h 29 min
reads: 11 h 46 min
